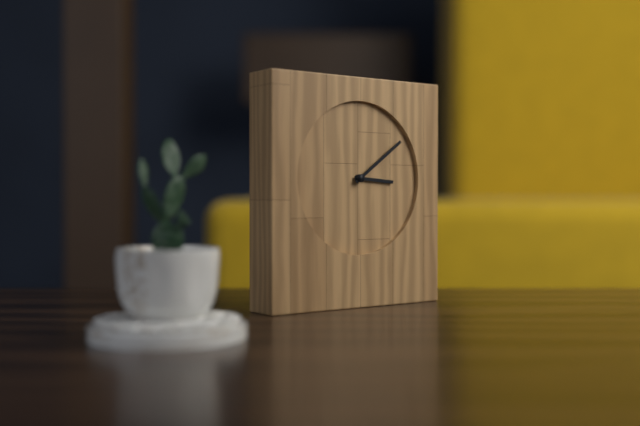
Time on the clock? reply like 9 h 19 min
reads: 3 h 09 min
